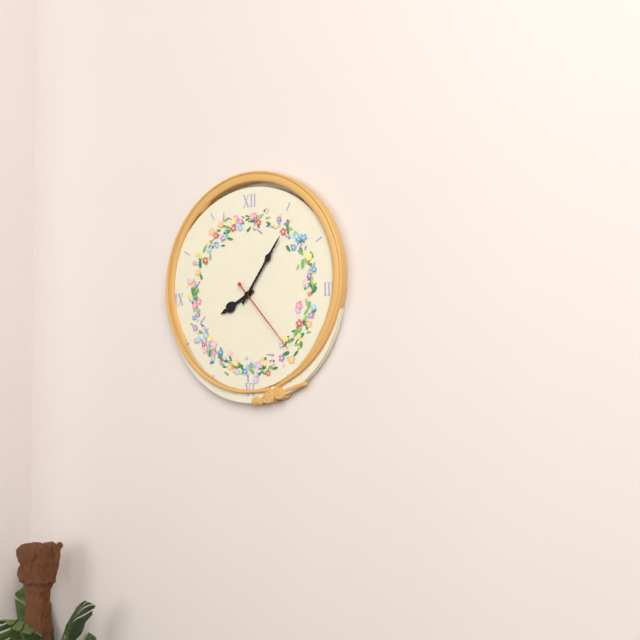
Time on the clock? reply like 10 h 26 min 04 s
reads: 8 h 06 min 23 s
